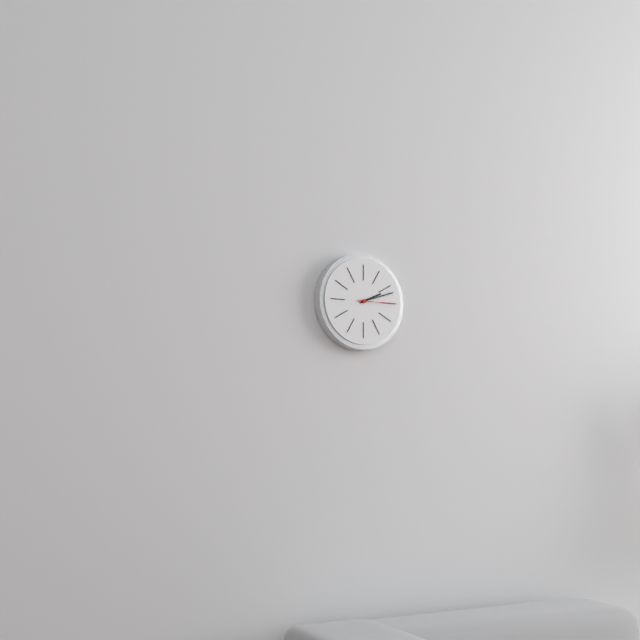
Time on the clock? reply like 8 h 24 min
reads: 2 h 12 min
